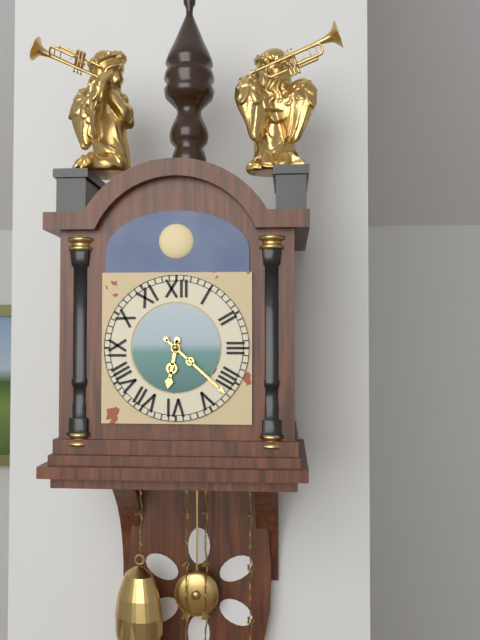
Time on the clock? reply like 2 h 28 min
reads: 6 h 22 min
